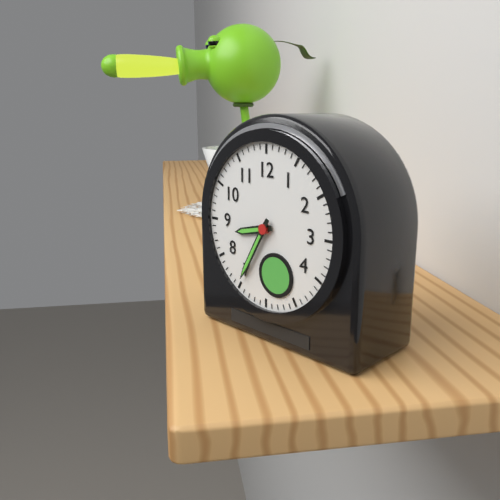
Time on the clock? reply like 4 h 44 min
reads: 8 h 35 min
